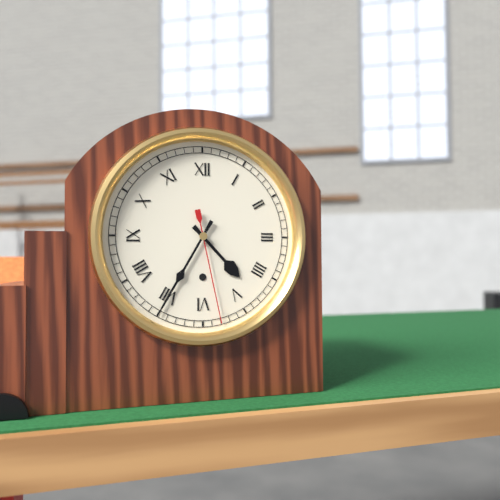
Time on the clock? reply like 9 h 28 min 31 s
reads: 4 h 35 min 28 s
